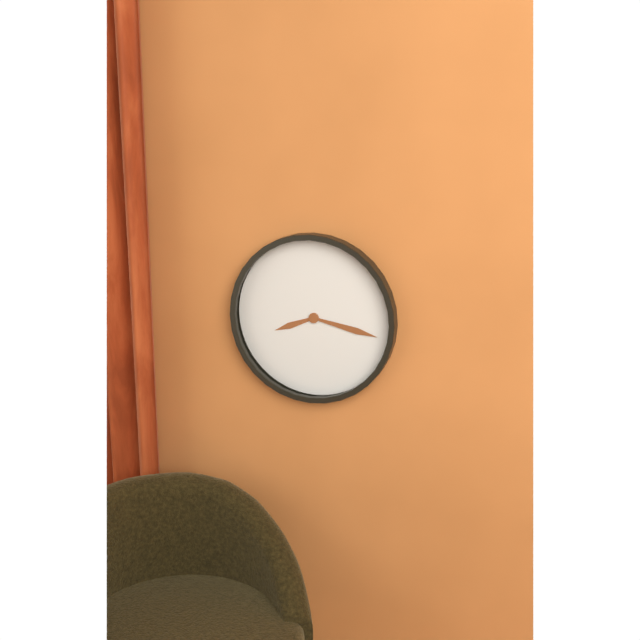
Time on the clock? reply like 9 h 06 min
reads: 8 h 17 min
